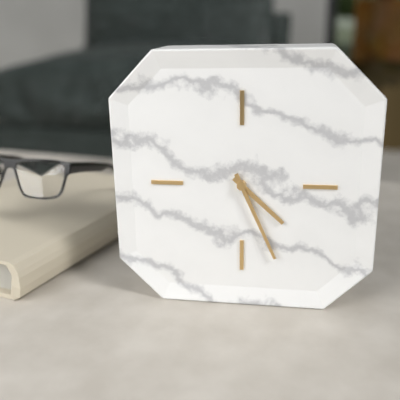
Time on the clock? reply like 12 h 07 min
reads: 4 h 26 min
